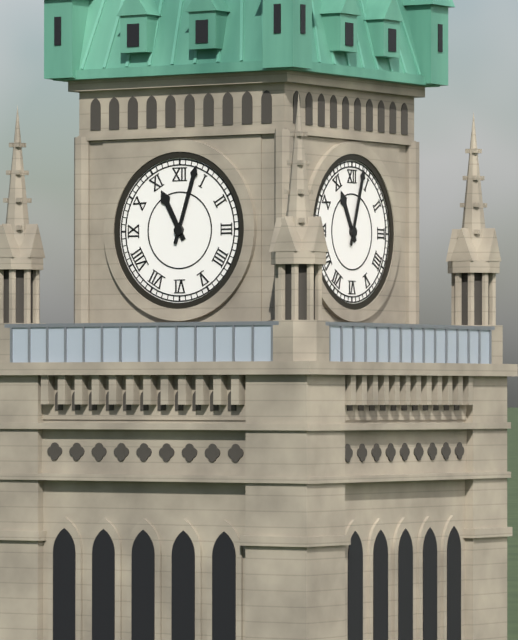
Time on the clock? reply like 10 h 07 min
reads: 11 h 03 min
